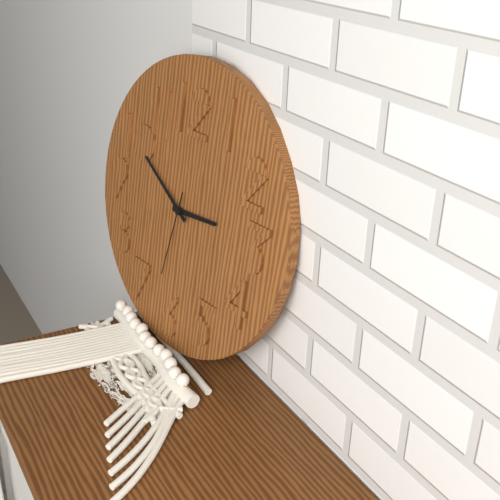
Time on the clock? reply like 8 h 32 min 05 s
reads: 2 h 50 min 32 s
